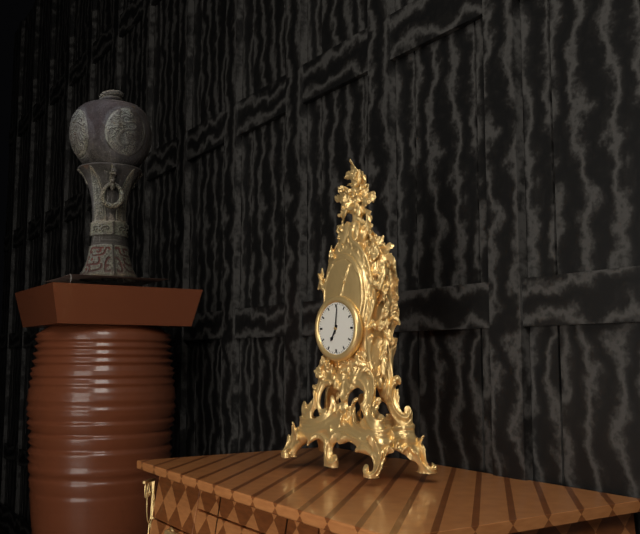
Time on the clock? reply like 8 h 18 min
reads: 7 h 01 min
